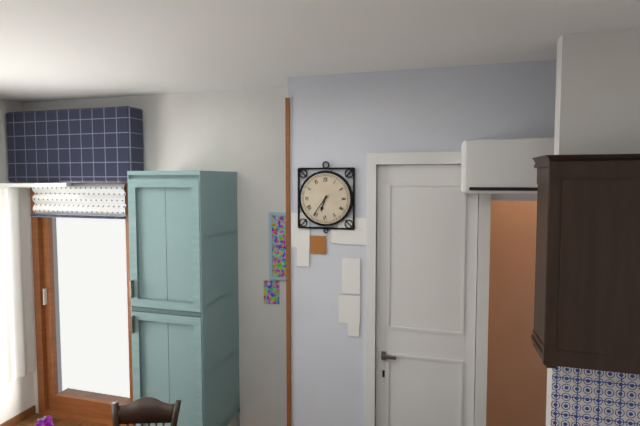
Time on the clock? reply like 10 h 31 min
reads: 6 h 36 min
